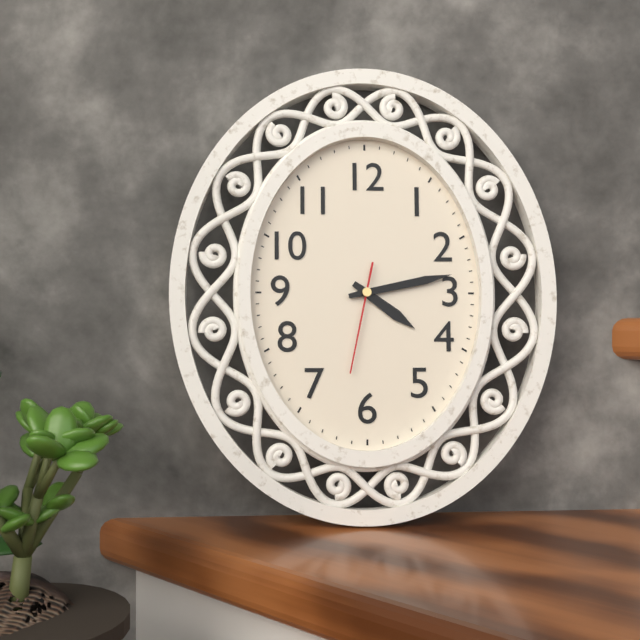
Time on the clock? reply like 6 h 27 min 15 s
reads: 4 h 13 min 32 s
